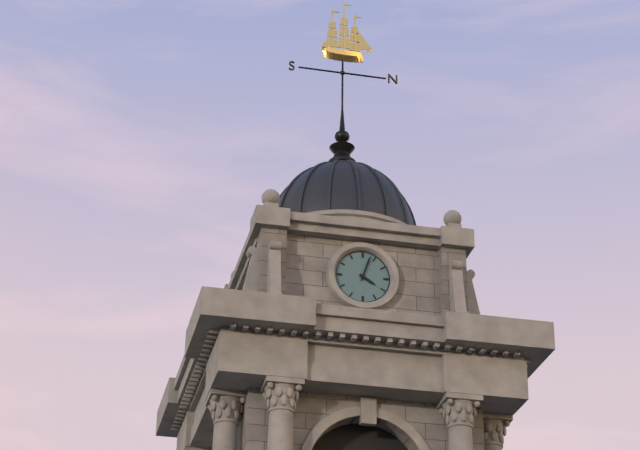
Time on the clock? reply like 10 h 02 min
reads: 4 h 03 min
